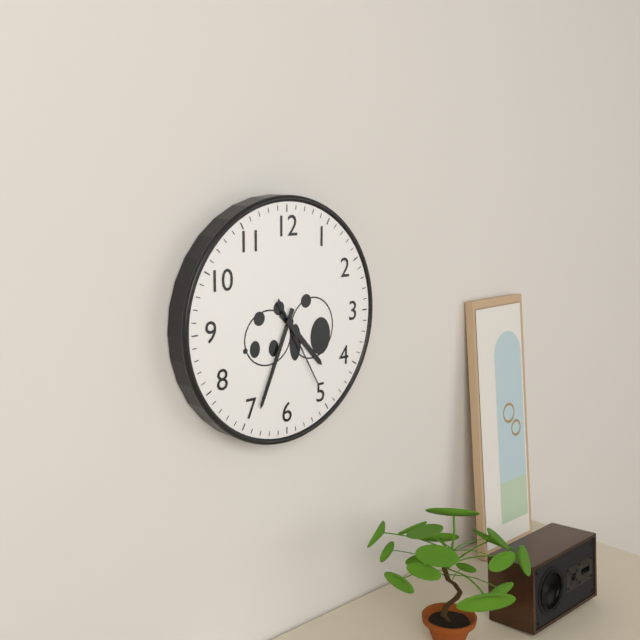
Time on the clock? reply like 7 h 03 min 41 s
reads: 4 h 34 min 25 s
